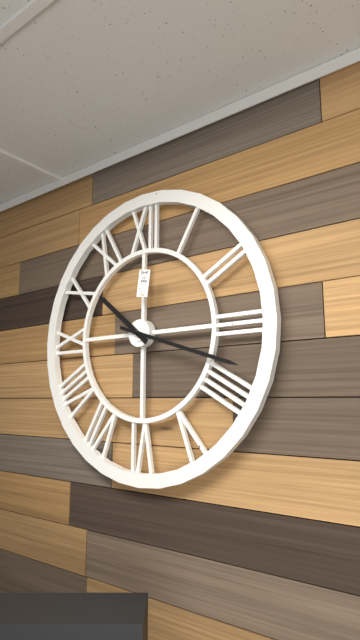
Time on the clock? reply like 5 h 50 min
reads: 10 h 18 min
